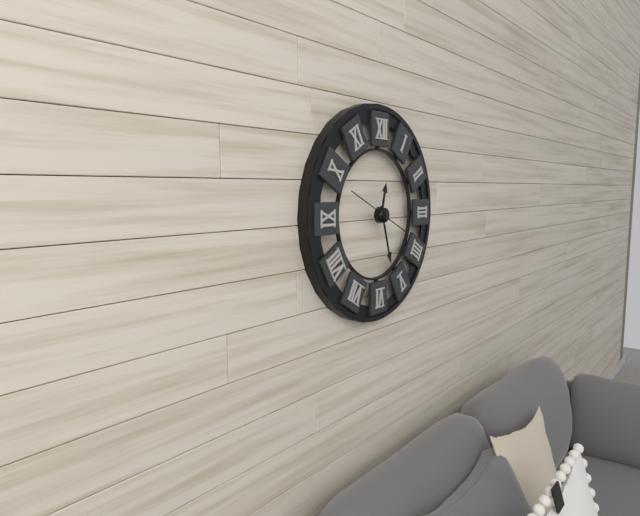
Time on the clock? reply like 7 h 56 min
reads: 12 h 27 min
